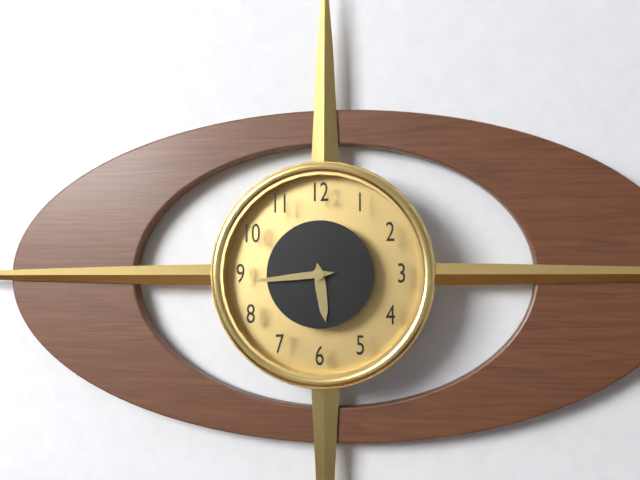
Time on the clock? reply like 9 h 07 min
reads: 5 h 44 min
